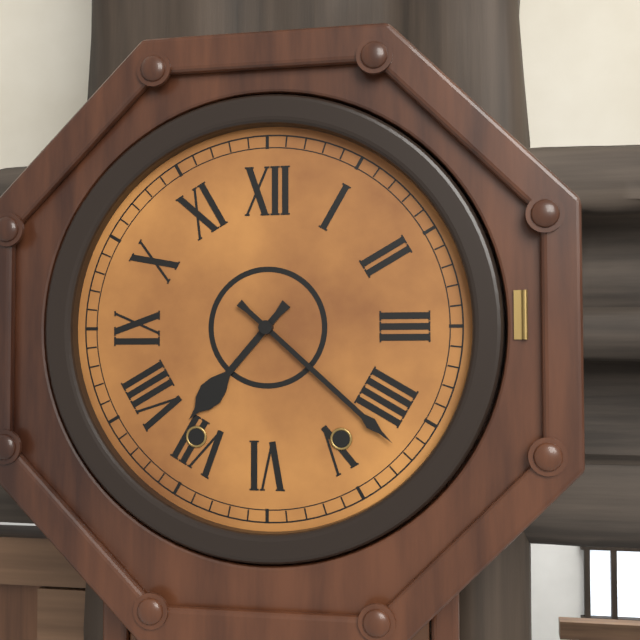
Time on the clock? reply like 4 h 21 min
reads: 7 h 22 min
